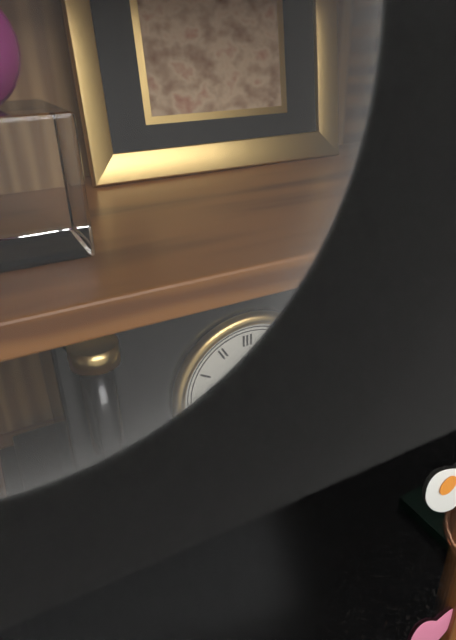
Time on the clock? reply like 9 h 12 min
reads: 9 h 11 min
